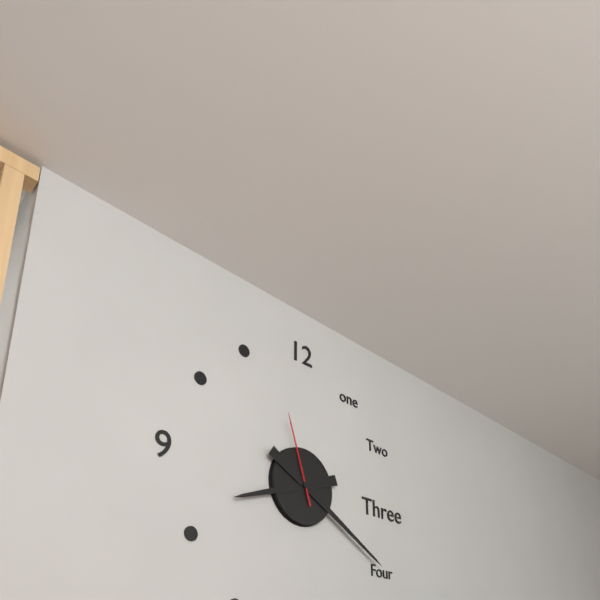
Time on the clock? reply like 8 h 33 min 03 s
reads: 8 h 20 min 57 s
